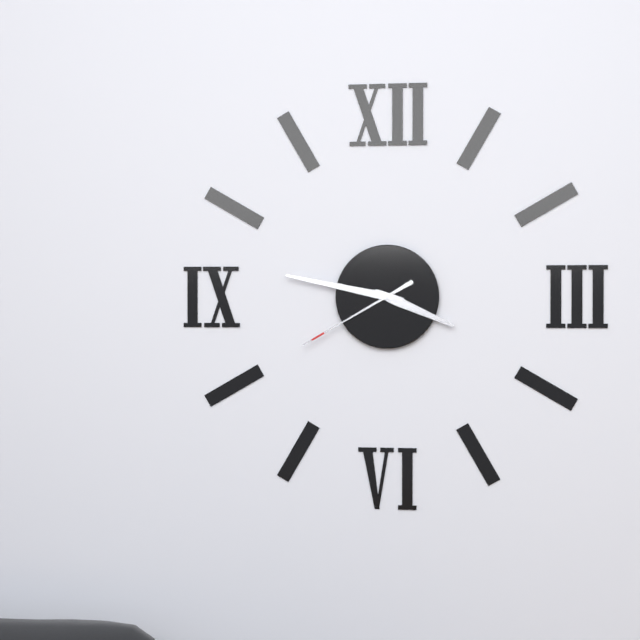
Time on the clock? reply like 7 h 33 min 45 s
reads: 3 h 47 min 40 s
